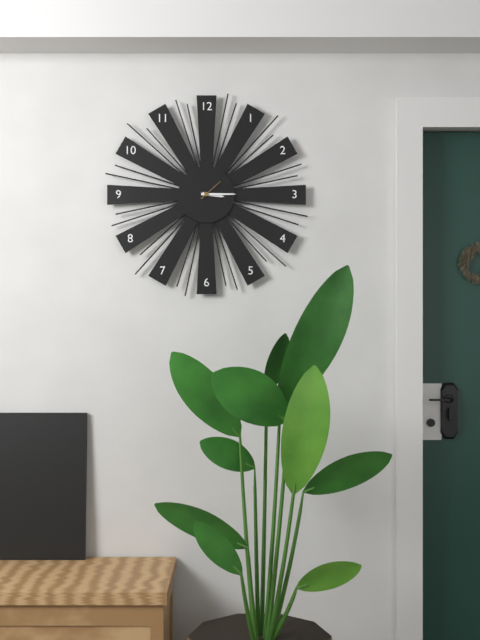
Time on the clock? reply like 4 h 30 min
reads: 3 h 15 min
